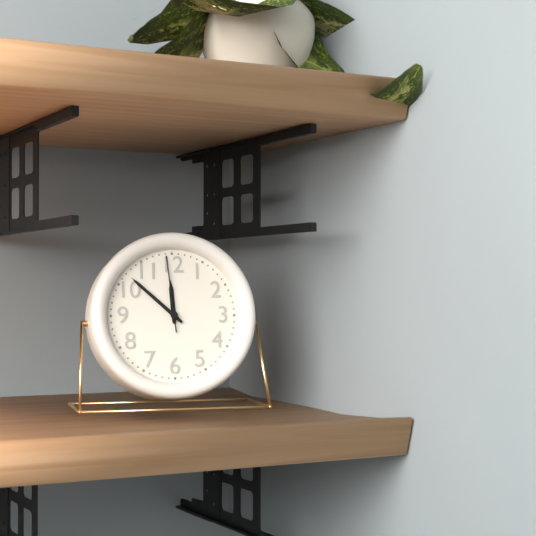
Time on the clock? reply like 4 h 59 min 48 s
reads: 11 h 52 min 59 s
